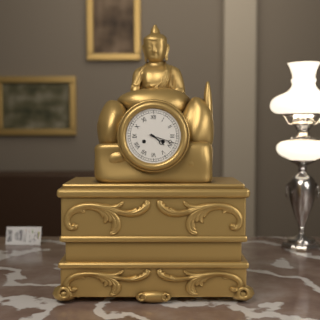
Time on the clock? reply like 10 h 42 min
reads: 4 h 18 min
